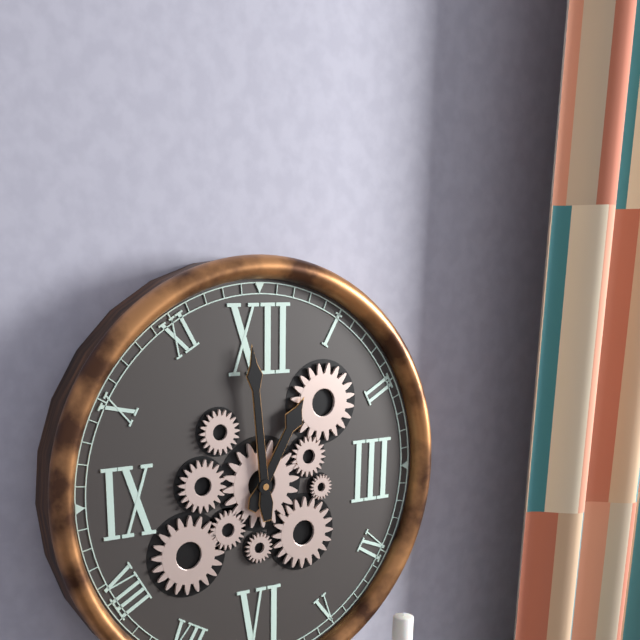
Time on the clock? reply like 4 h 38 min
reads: 12 h 59 min
